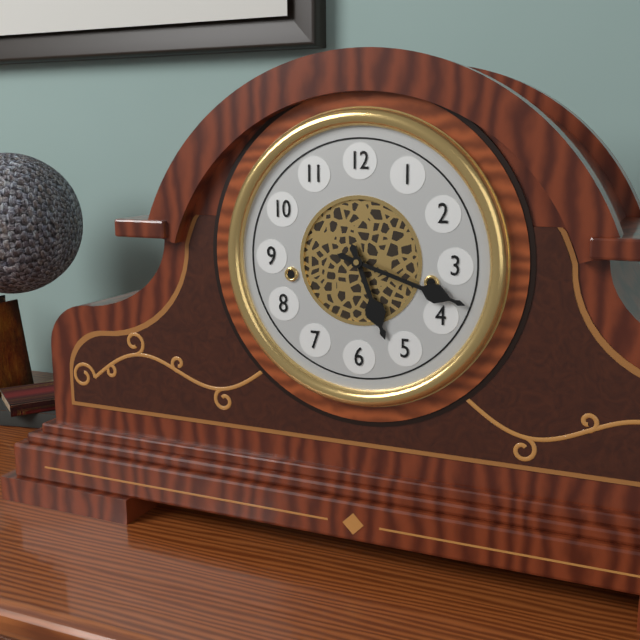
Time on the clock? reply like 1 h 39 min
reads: 5 h 18 min
